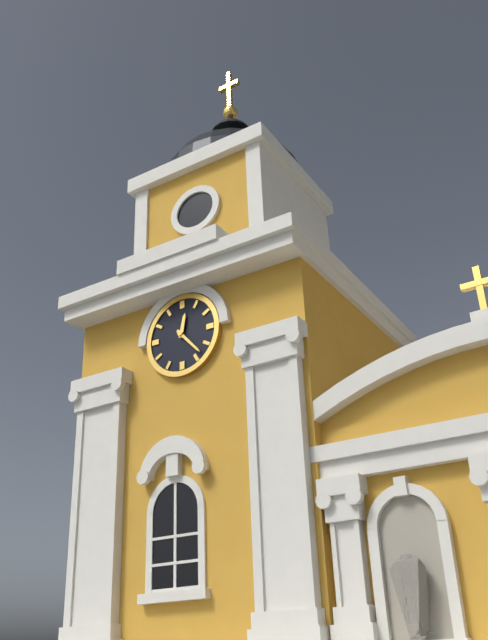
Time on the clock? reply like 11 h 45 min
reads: 12 h 23 min
